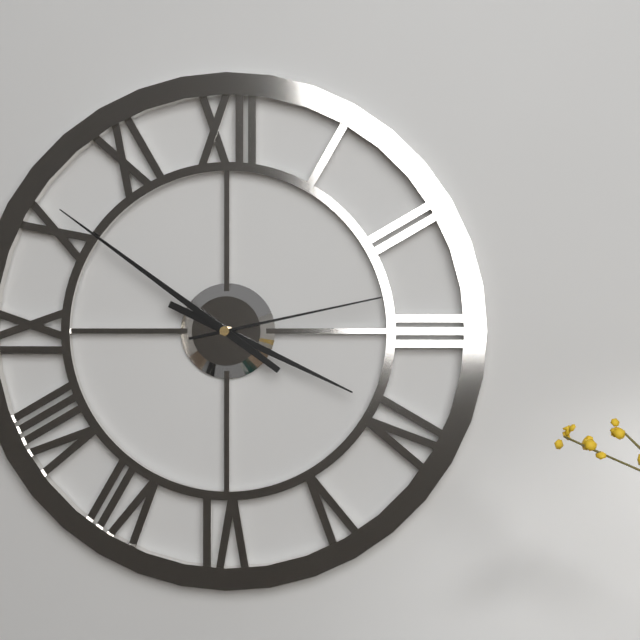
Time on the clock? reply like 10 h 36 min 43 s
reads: 3 h 51 min 13 s
